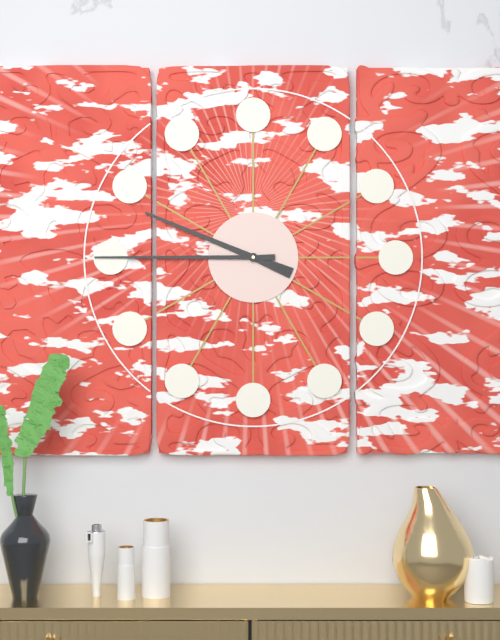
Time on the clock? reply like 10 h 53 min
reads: 9 h 45 min
